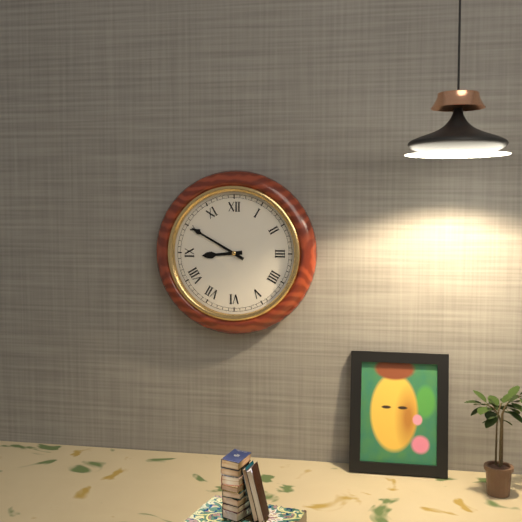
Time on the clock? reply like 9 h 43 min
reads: 8 h 50 min
